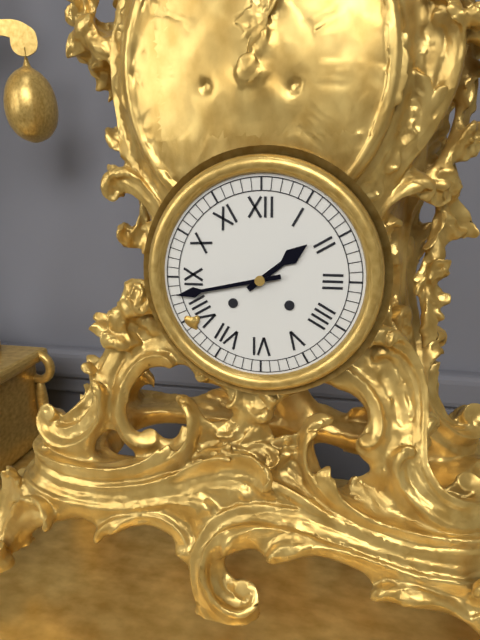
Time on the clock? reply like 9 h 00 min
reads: 1 h 43 min
